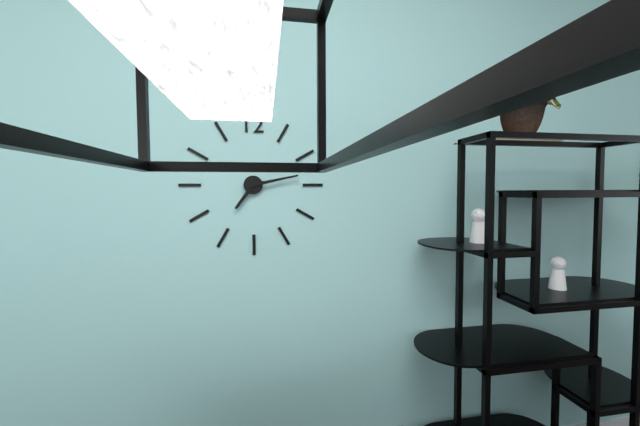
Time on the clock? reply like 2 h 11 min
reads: 7 h 13 min
